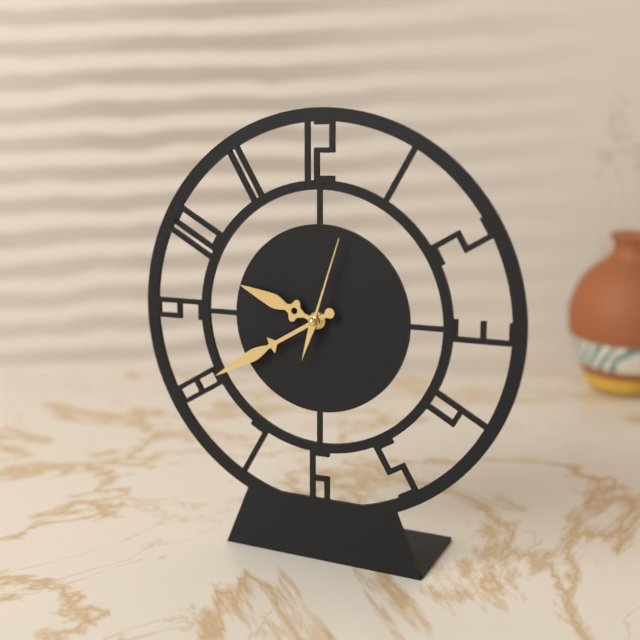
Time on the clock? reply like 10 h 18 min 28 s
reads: 9 h 40 min 03 s
